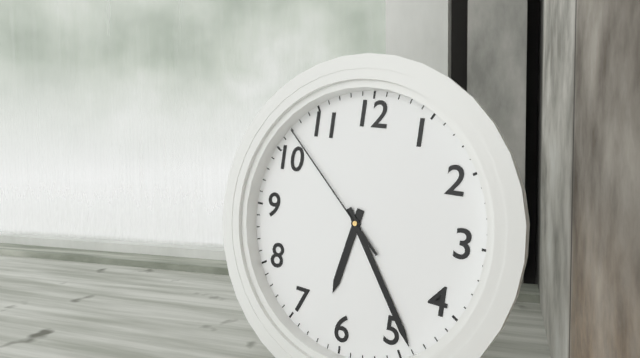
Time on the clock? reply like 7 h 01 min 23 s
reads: 6 h 24 min 52 s
